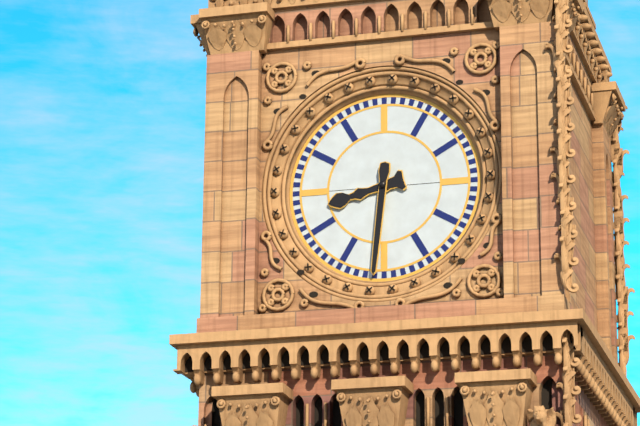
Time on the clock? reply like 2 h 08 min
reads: 8 h 31 min
